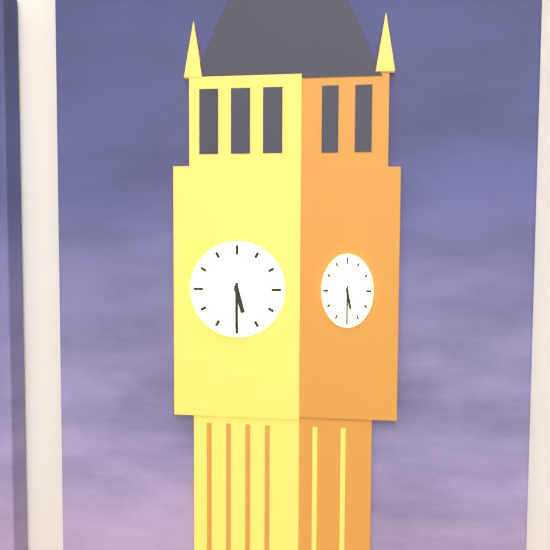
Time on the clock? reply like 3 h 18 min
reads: 5 h 30 min
